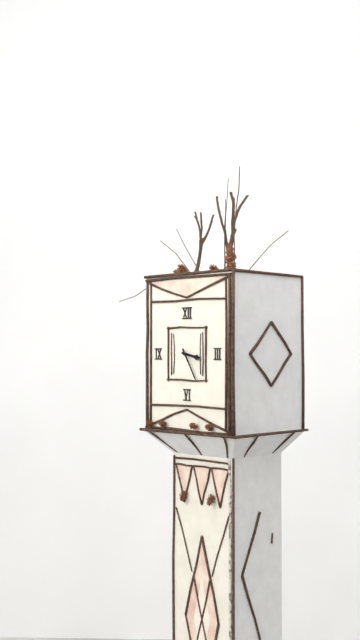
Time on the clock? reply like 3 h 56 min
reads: 3 h 25 min
